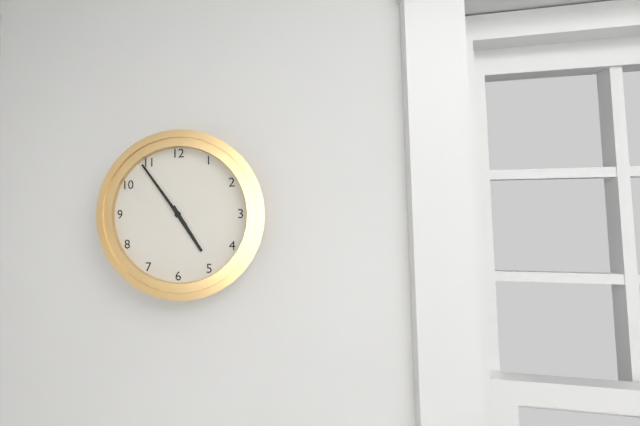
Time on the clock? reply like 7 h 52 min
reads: 4 h 54 min
